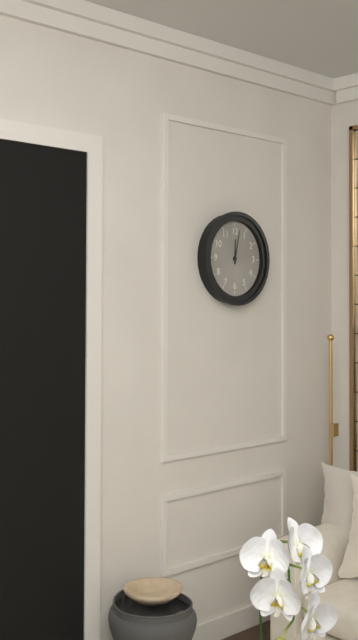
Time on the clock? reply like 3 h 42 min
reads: 12 h 02 min
